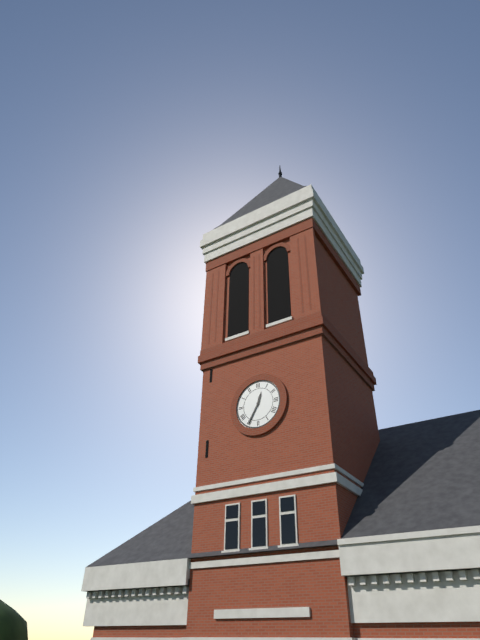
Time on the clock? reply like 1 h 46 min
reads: 12 h 35 min
